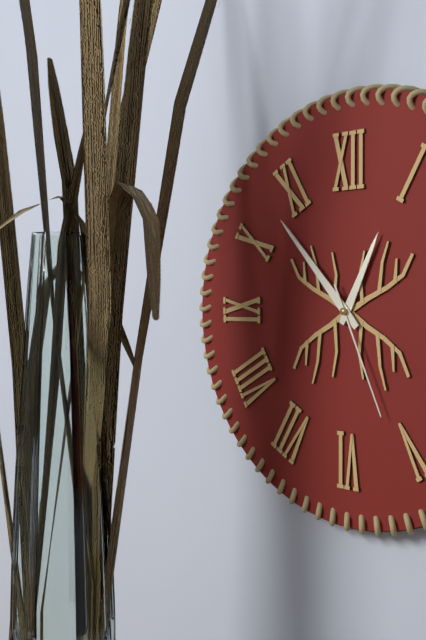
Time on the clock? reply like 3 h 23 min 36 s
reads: 12 h 53 min 26 s
